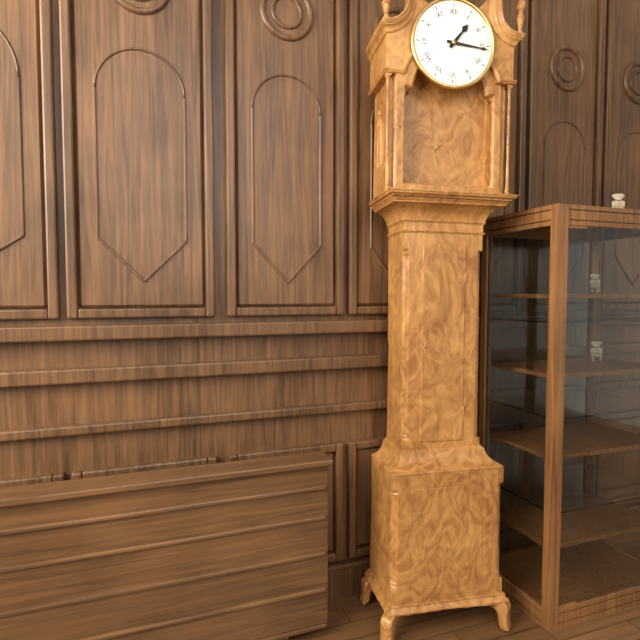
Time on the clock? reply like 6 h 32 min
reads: 1 h 16 min
